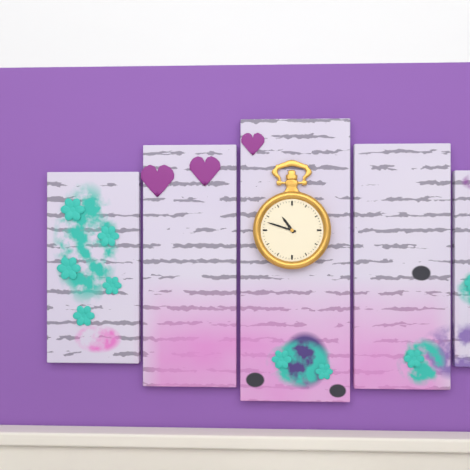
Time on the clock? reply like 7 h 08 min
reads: 10 h 48 min
